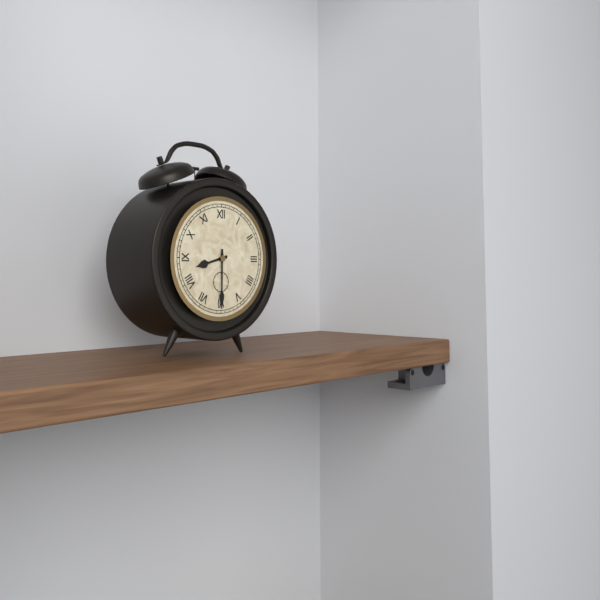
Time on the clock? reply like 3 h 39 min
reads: 8 h 30 min
